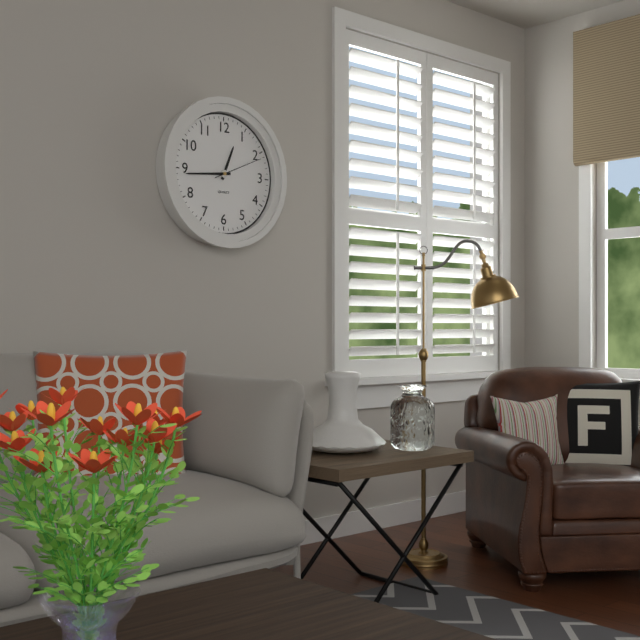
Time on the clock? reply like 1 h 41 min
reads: 12 h 44 min
